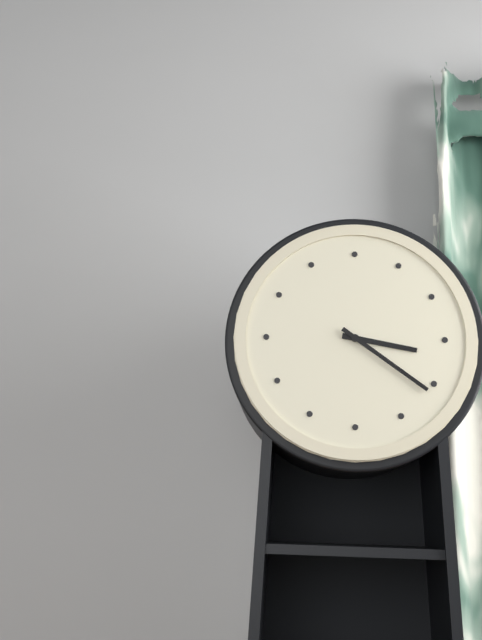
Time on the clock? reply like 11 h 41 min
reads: 3 h 21 min
